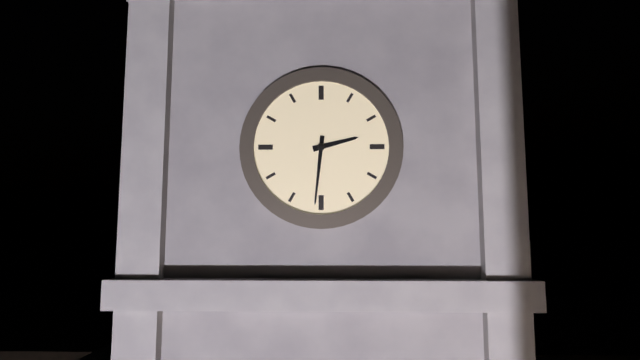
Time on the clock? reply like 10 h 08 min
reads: 2 h 31 min
